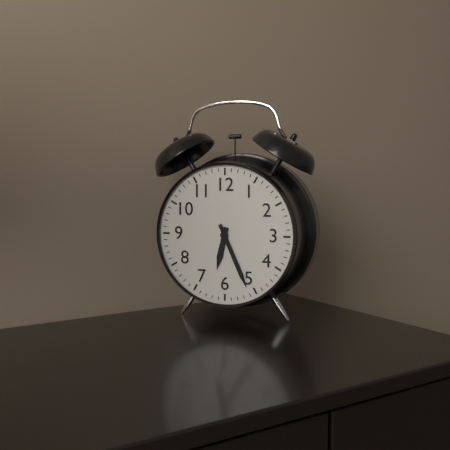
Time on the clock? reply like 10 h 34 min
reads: 6 h 26 min
